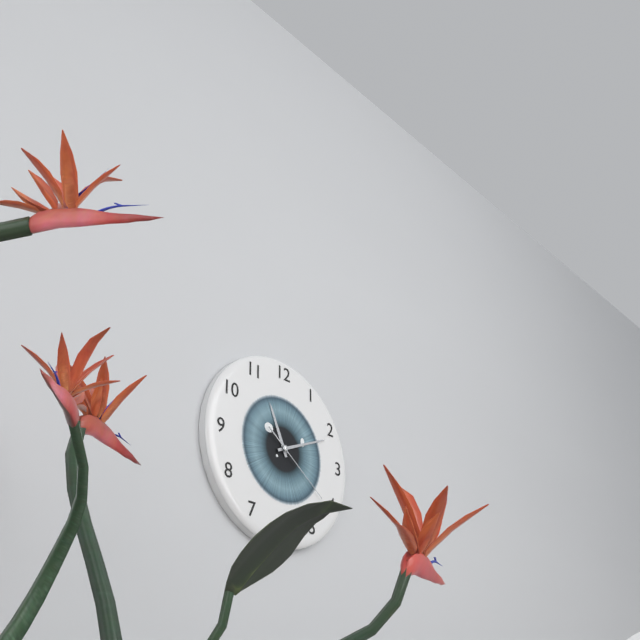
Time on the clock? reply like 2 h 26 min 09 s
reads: 11 h 11 min 21 s
